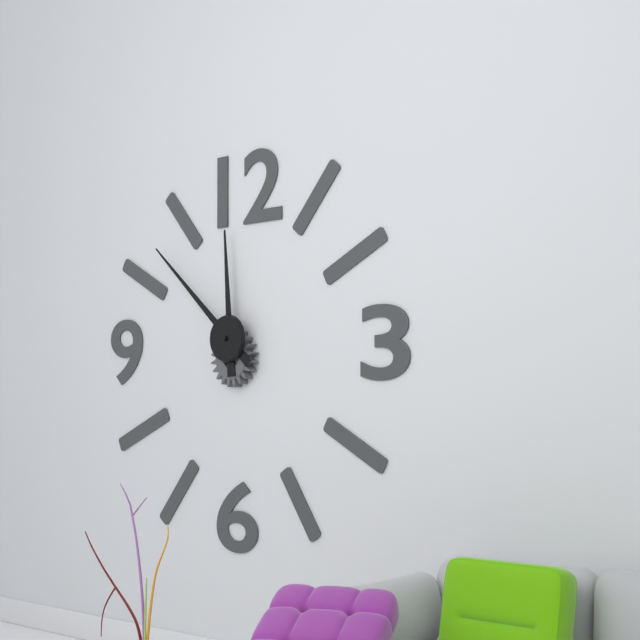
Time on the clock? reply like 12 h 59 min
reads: 11 h 52 min
